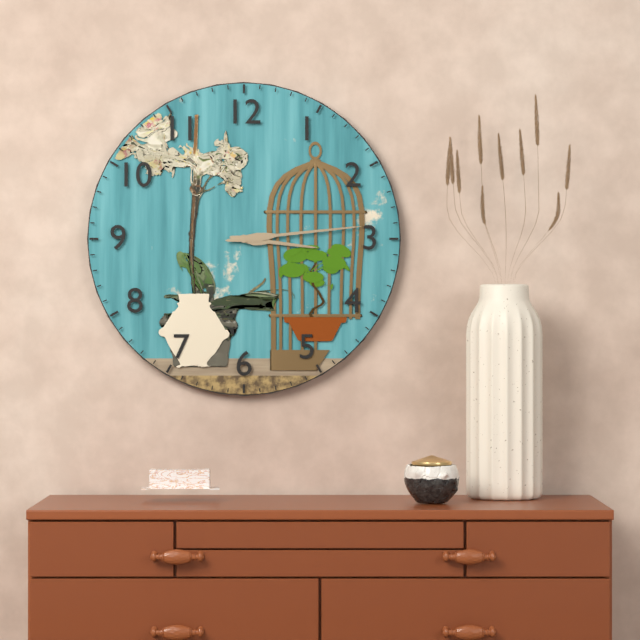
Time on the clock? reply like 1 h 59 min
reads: 3 h 14 min
